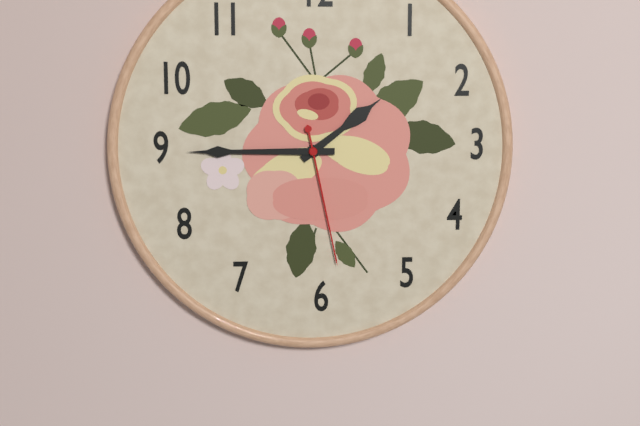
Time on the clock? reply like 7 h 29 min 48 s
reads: 1 h 45 min 28 s
